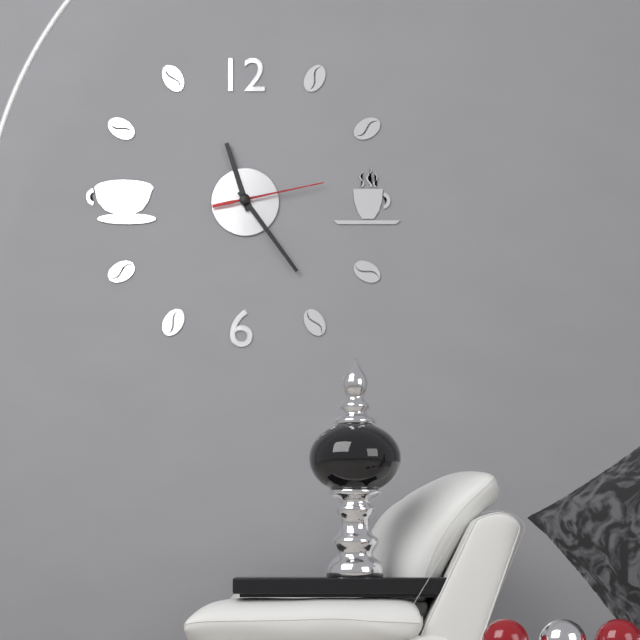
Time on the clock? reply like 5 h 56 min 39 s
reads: 11 h 24 min 13 s
